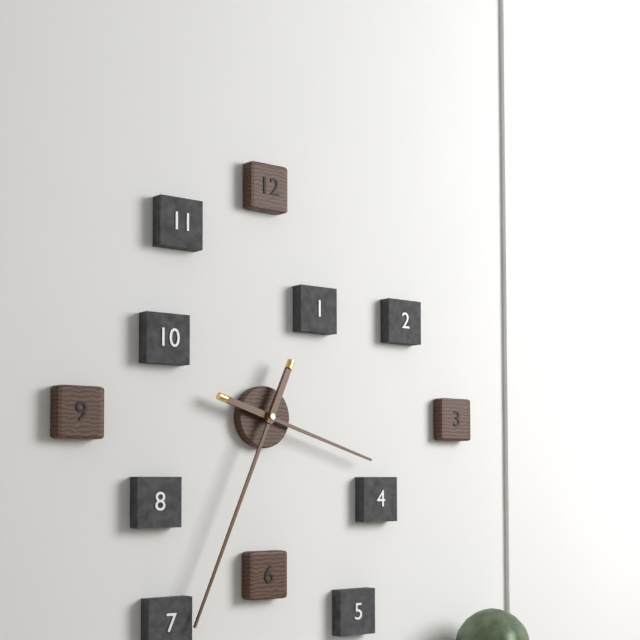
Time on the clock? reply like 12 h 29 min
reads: 3 h 34 min
